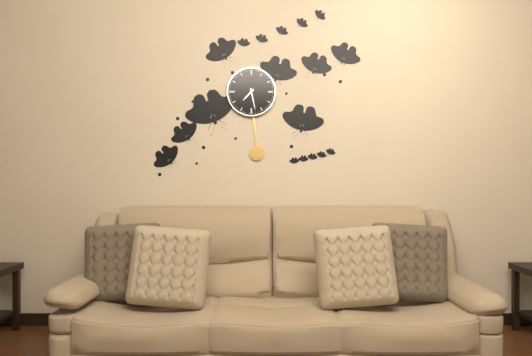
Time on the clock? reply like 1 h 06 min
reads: 7 h 28 min
